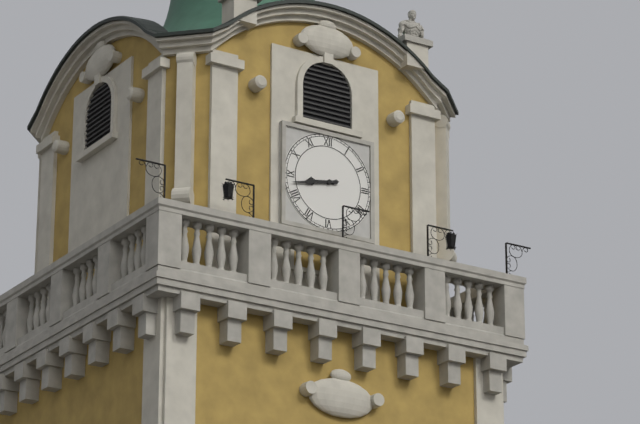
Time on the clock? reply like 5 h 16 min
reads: 8 h 43 min
